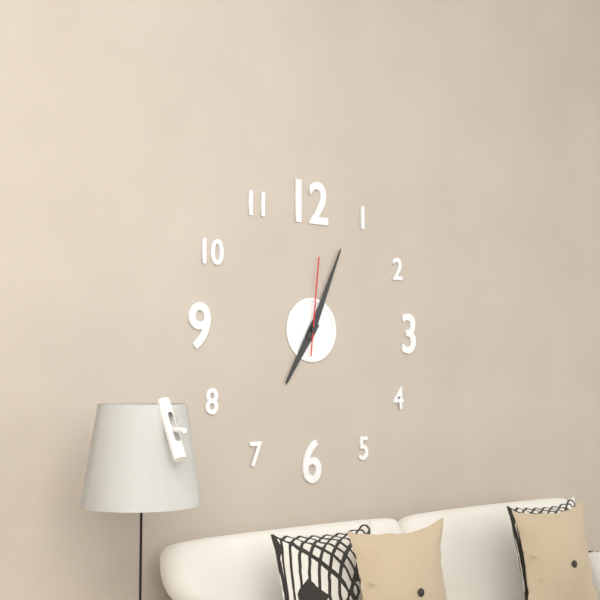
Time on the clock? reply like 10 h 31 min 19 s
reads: 7 h 04 min 01 s
